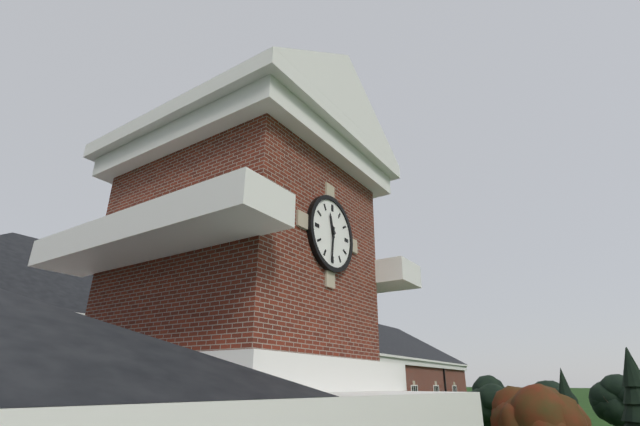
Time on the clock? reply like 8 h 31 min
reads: 11 h 31 min
